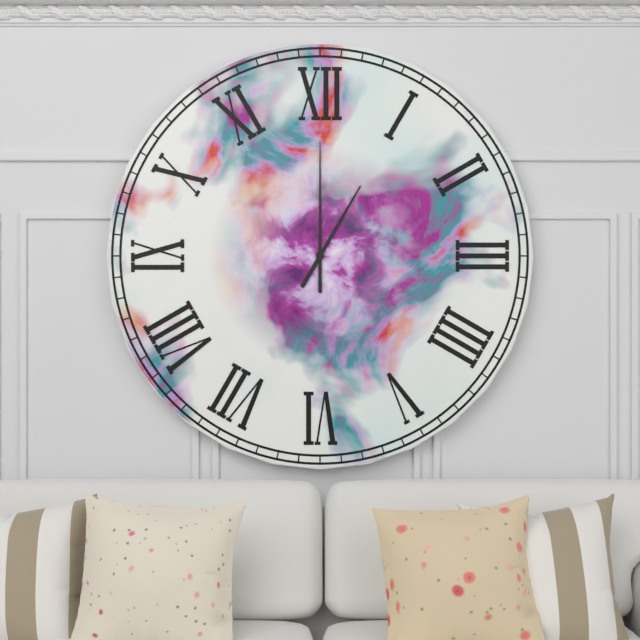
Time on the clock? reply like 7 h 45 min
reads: 1 h 00 min
